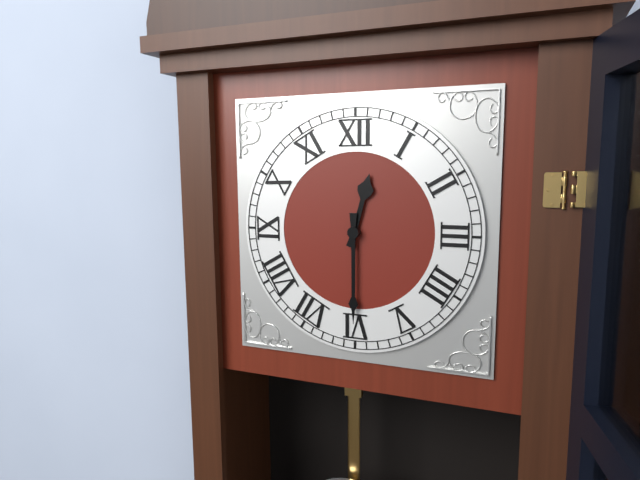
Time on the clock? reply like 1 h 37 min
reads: 12 h 30 min
